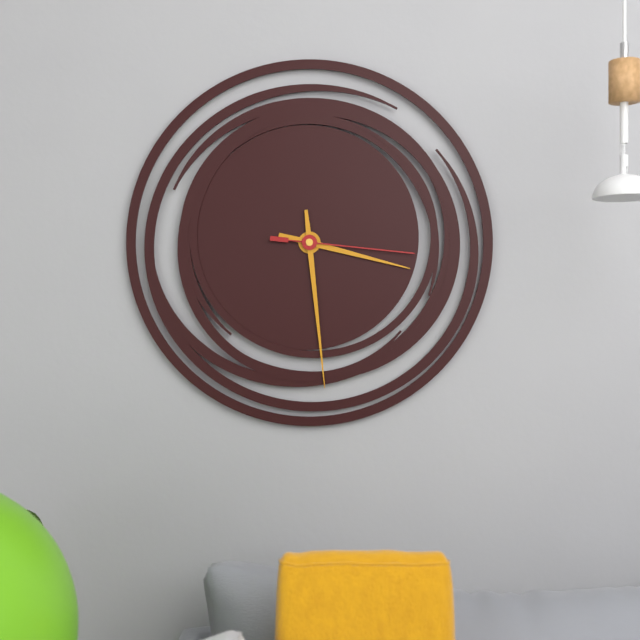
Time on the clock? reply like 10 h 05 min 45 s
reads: 3 h 29 min 16 s
